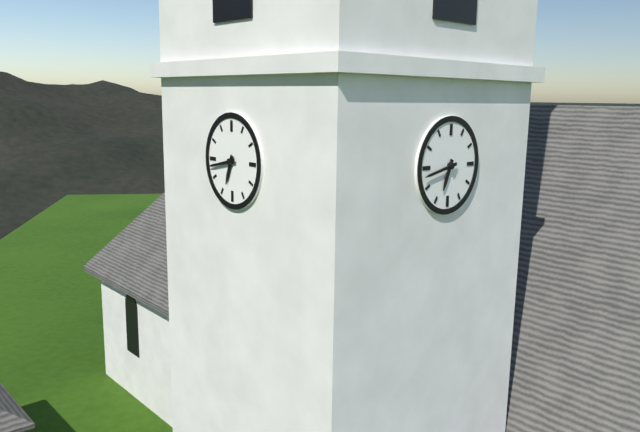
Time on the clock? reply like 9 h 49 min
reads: 6 h 43 min
